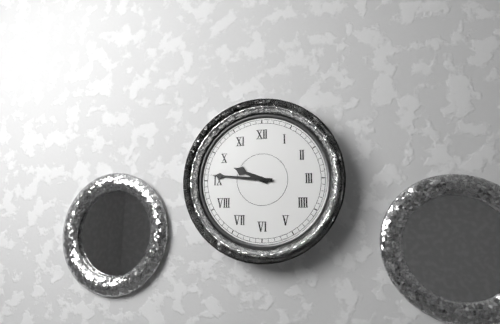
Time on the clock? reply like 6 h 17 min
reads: 9 h 46 min
